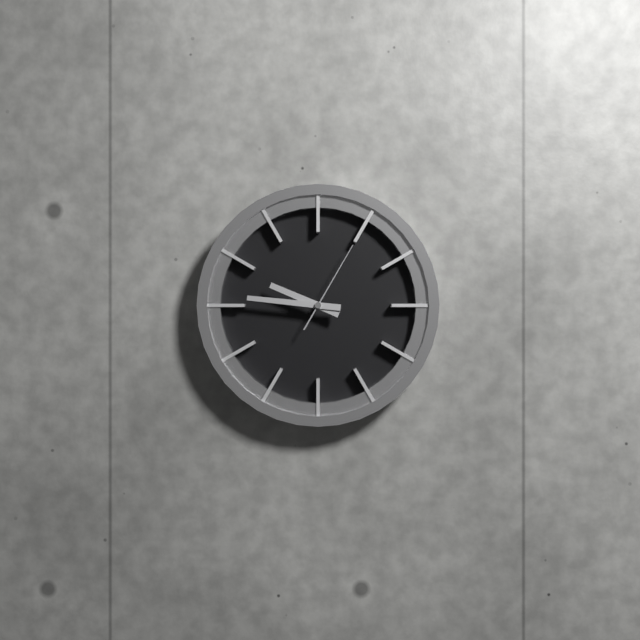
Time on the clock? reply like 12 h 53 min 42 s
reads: 9 h 46 min 05 s
